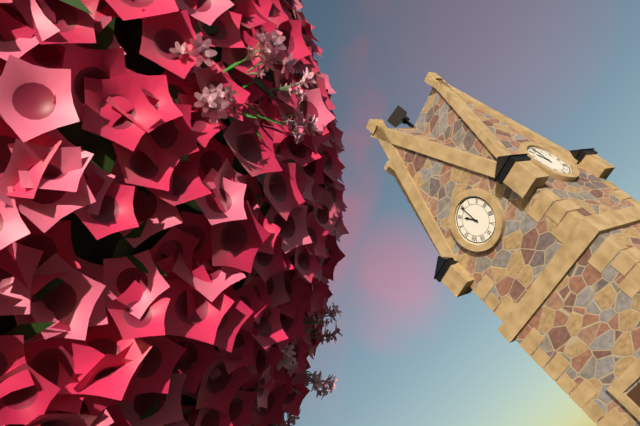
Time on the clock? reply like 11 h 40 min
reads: 11 h 00 min
